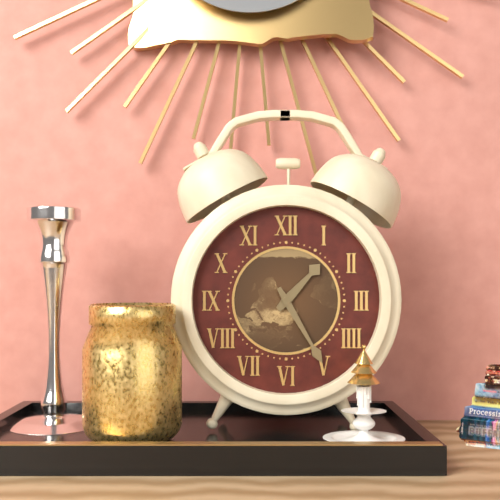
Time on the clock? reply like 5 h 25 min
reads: 1 h 25 min
